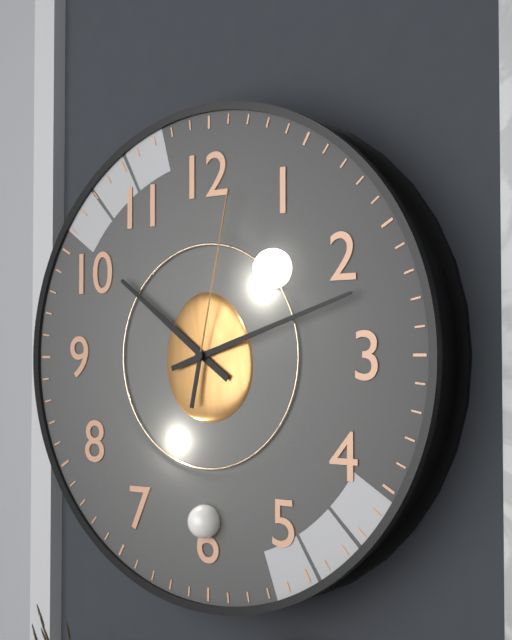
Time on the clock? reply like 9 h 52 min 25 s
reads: 10 h 12 min 02 s
